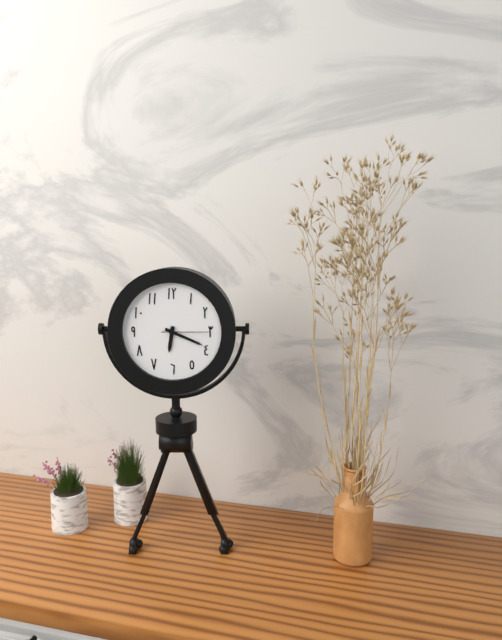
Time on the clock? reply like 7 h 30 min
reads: 6 h 19 min
